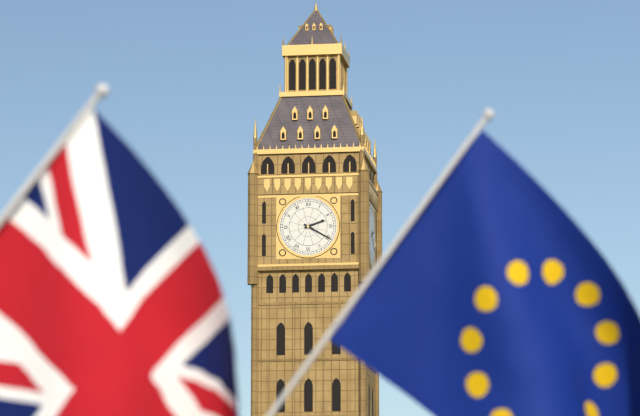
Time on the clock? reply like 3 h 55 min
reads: 2 h 20 min
